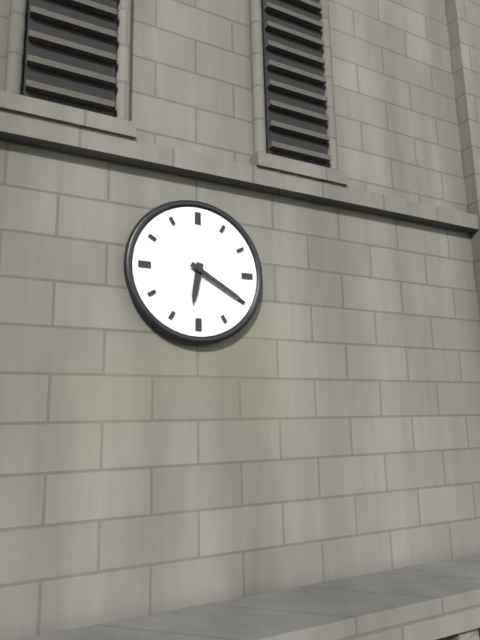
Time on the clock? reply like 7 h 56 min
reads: 6 h 20 min
